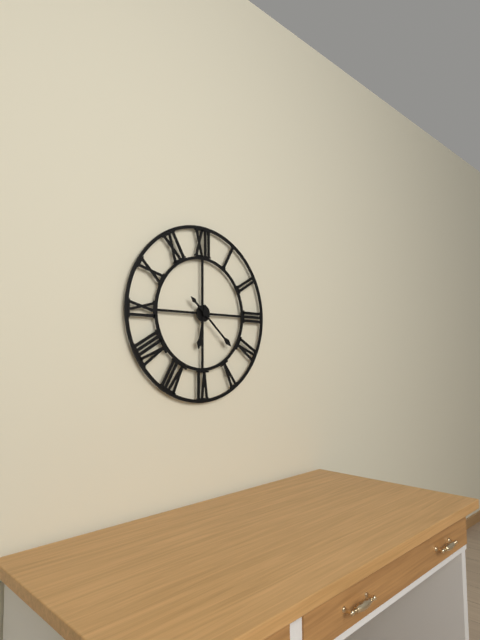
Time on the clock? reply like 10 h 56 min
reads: 6 h 22 min
